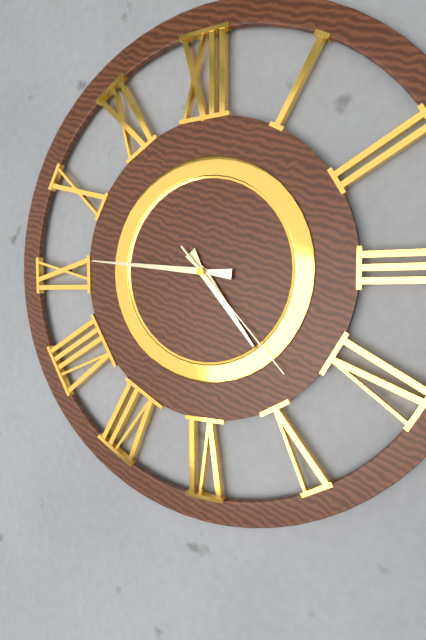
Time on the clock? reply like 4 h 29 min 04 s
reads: 4 h 46 min 23 s
